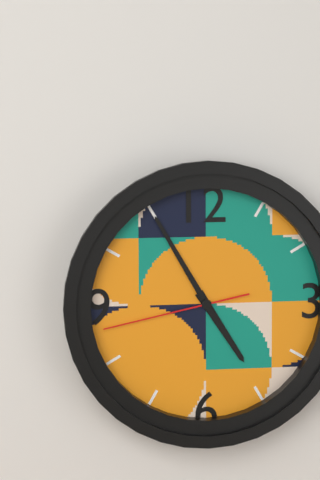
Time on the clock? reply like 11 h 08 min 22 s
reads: 4 h 55 min 43 s
